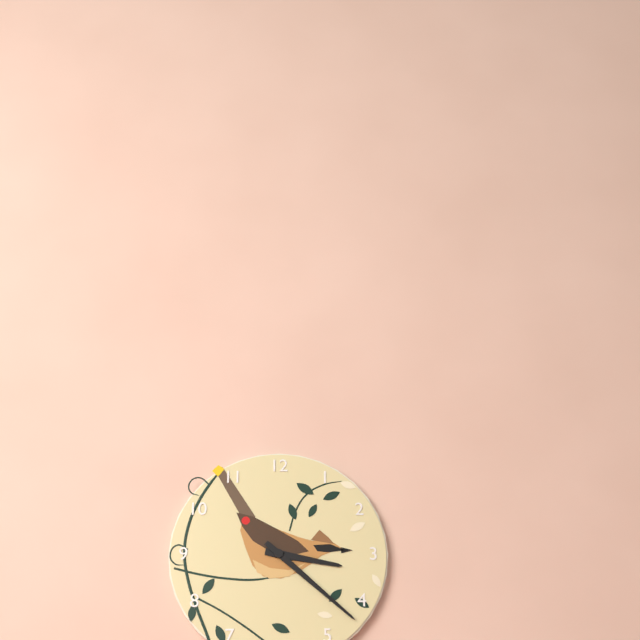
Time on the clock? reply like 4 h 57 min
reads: 3 h 22 min
